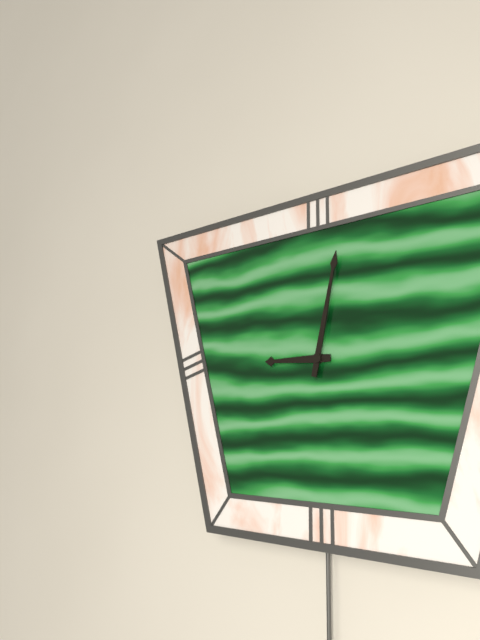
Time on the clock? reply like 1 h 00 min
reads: 9 h 02 min
